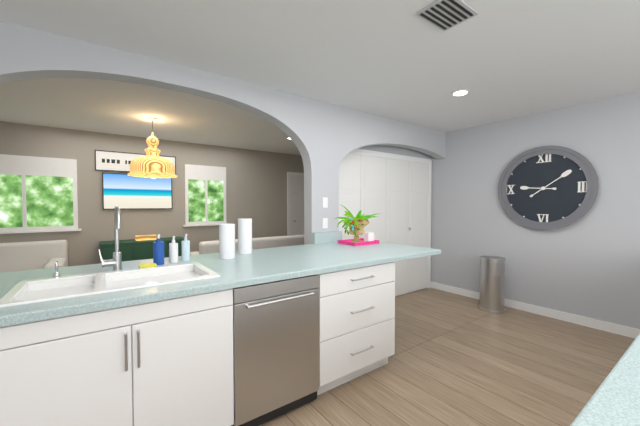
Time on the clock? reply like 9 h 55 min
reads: 9 h 09 min
